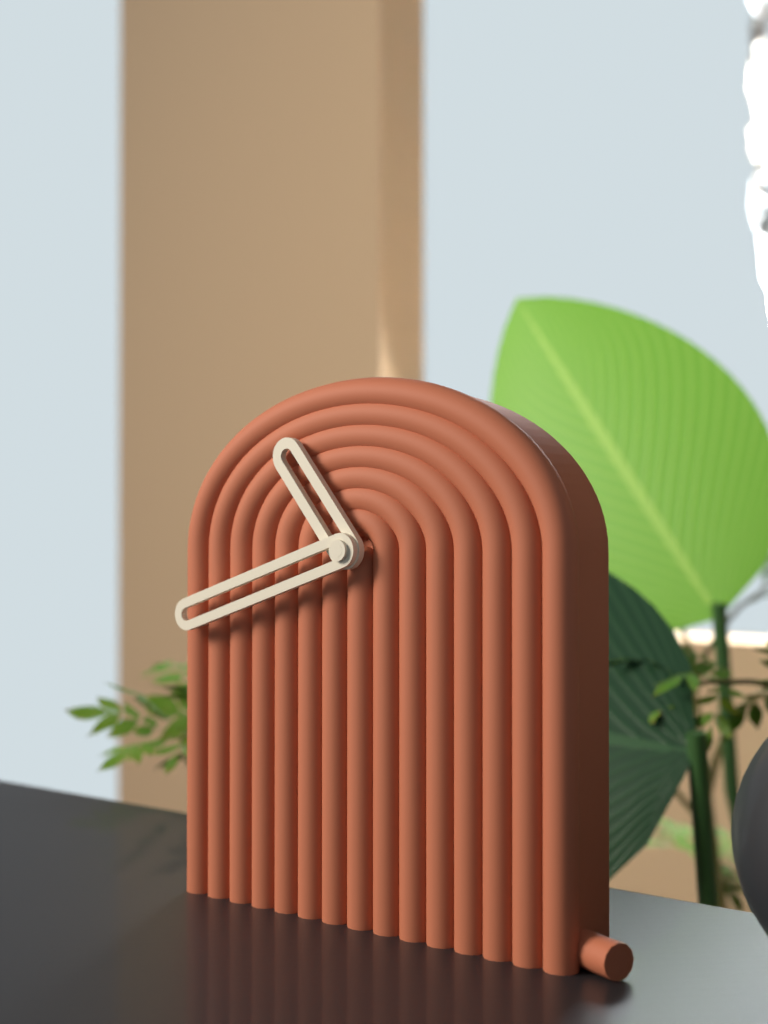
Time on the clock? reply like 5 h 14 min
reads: 10 h 42 min
